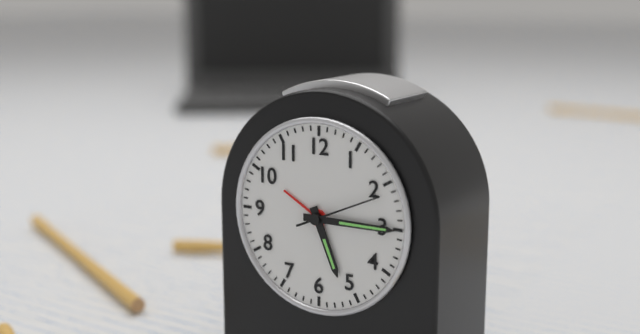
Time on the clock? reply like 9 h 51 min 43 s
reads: 5 h 15 min 11 s
